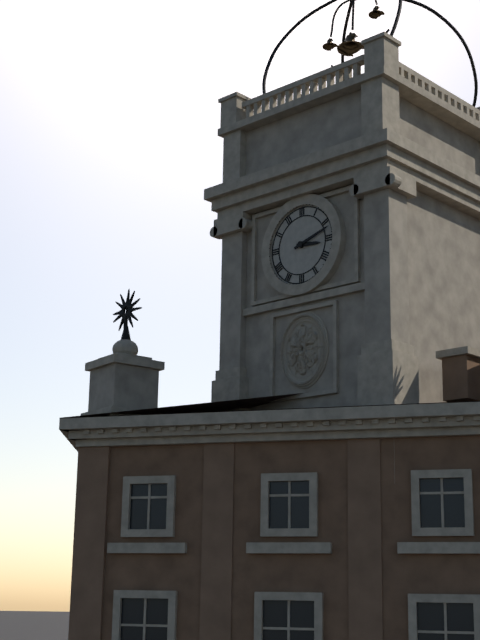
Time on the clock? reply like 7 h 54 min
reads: 3 h 12 min
